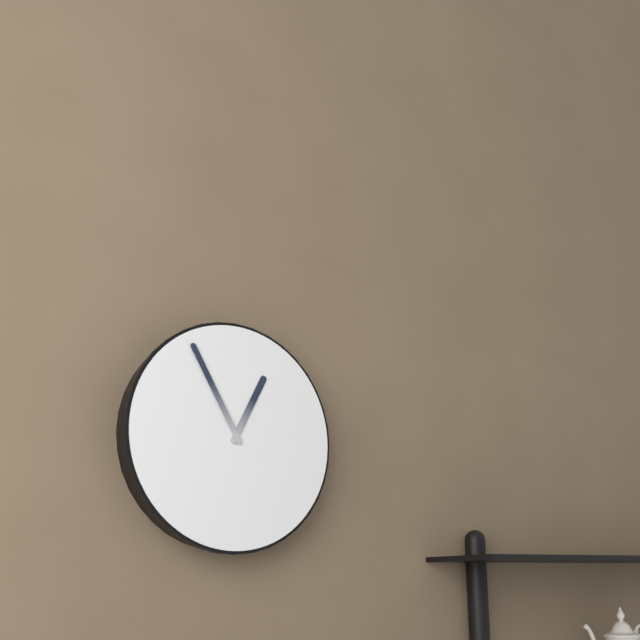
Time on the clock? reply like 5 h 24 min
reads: 12 h 55 min
